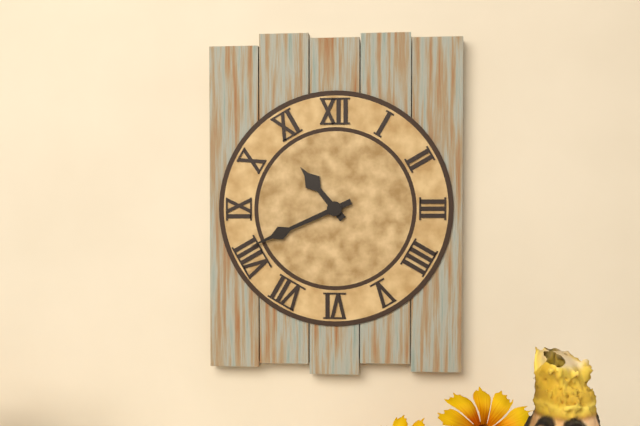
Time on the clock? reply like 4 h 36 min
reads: 10 h 41 min
